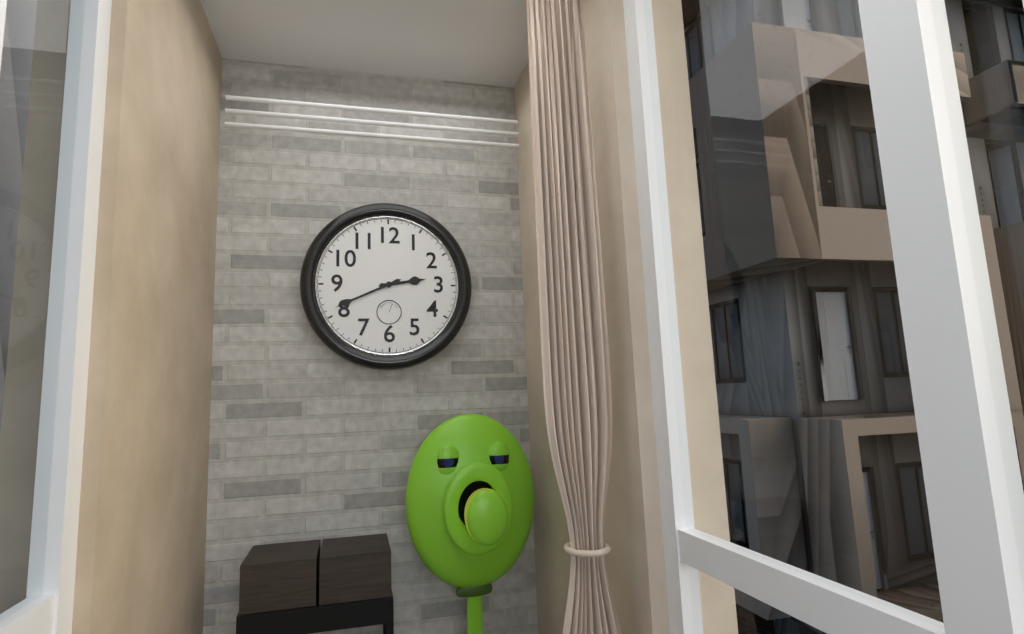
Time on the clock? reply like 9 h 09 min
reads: 2 h 41 min
